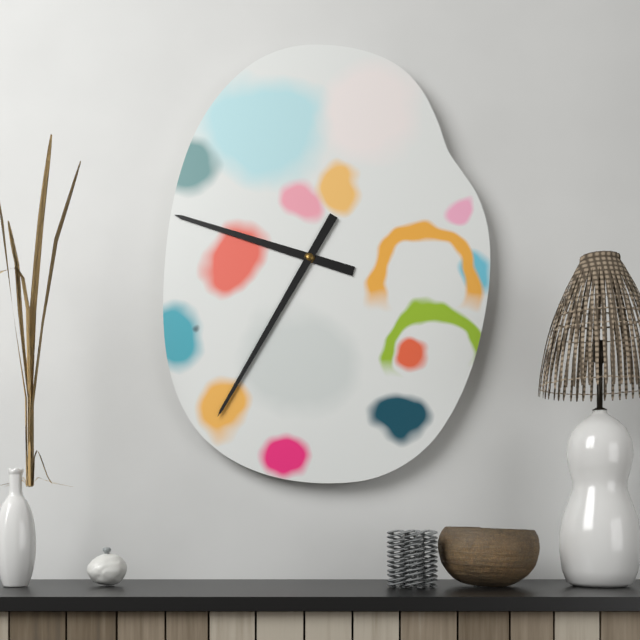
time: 9:35
